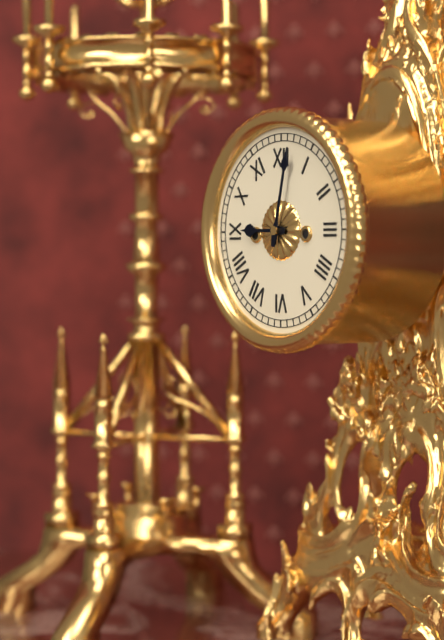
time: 9:02
